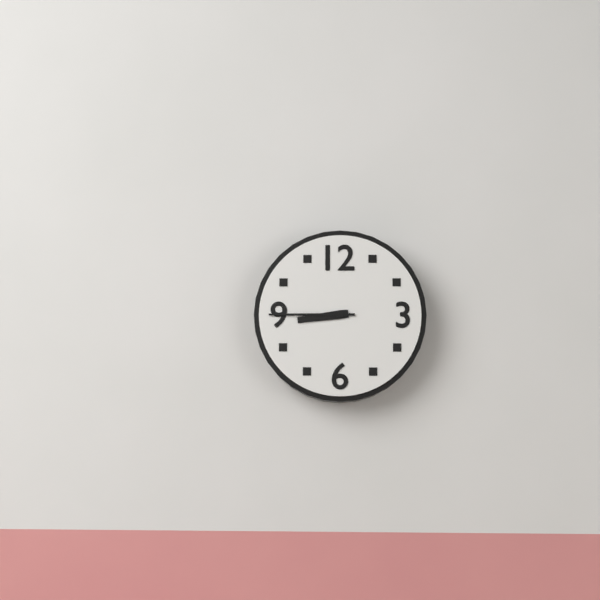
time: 8:45
